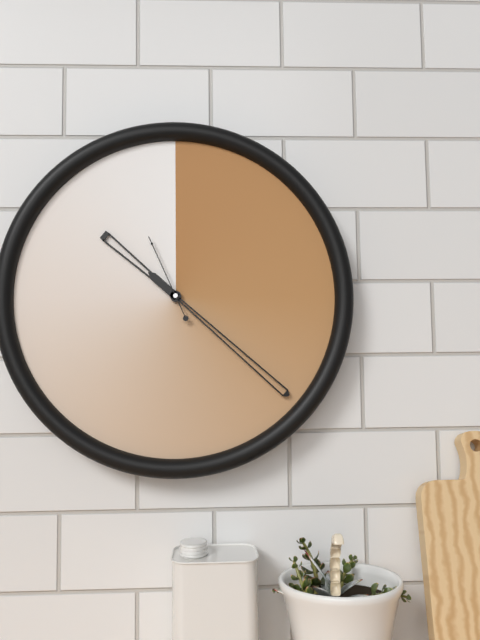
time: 10:22:56
